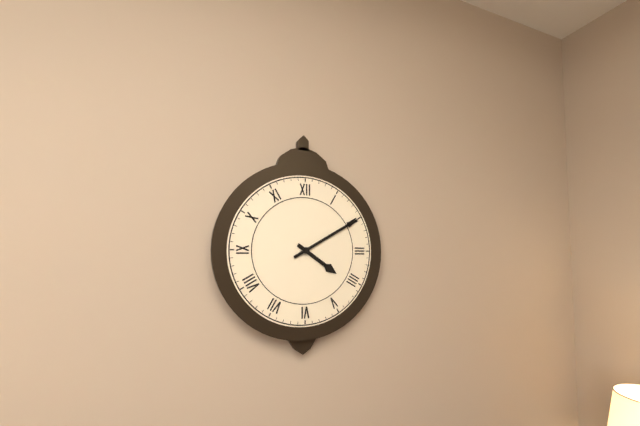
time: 4:10
